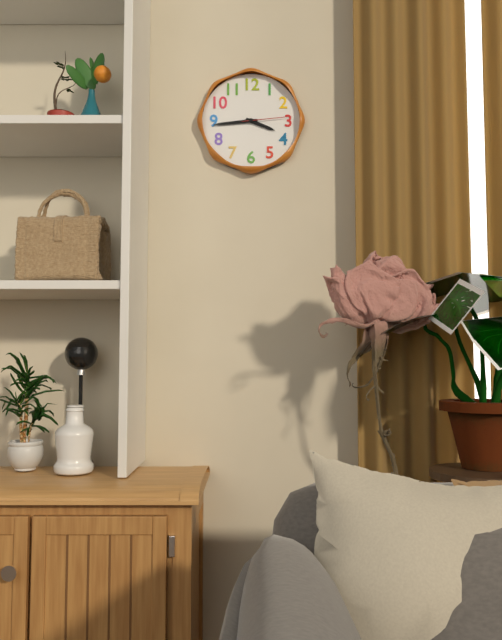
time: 3:44:14
